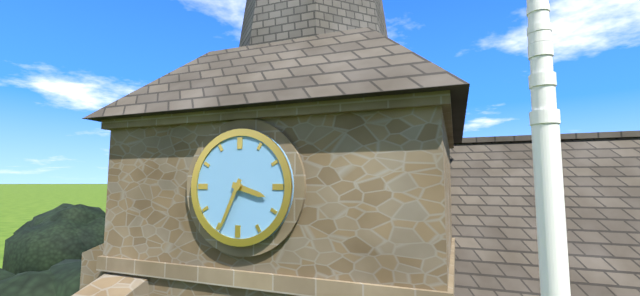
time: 3:34
